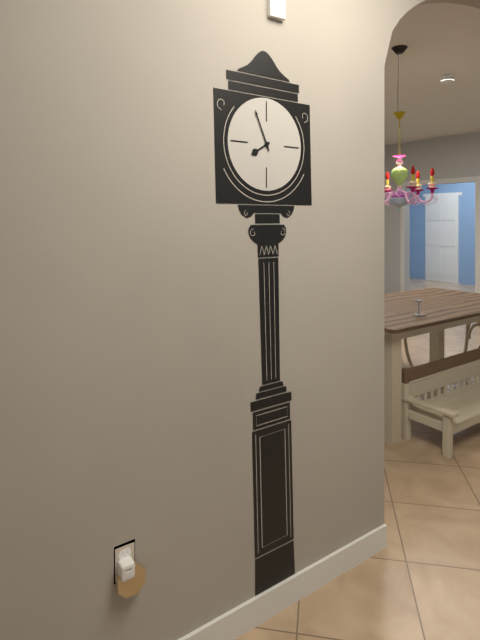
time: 7:56
